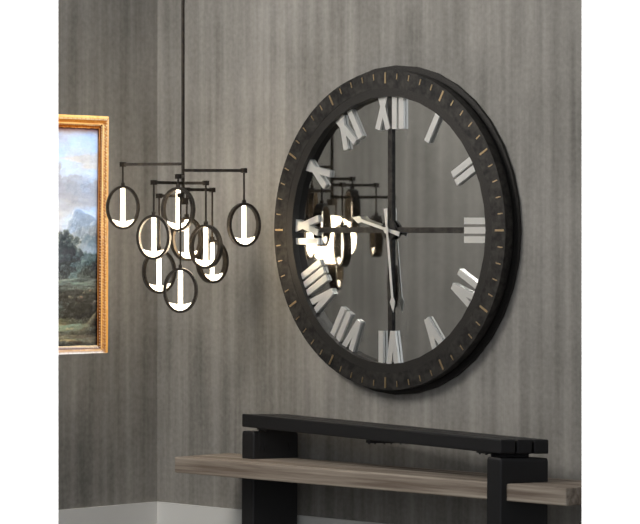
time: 9:29
